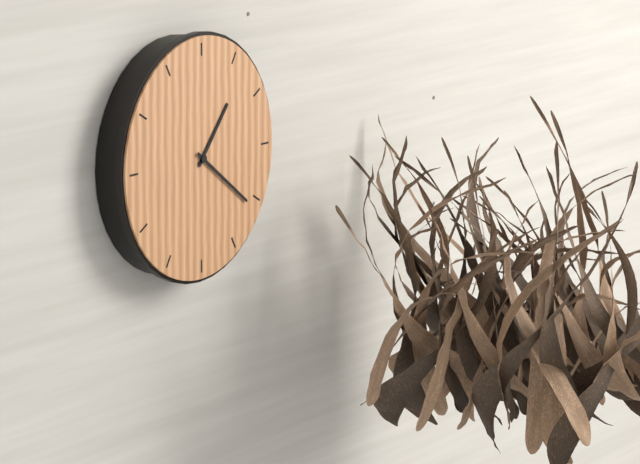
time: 1:21
